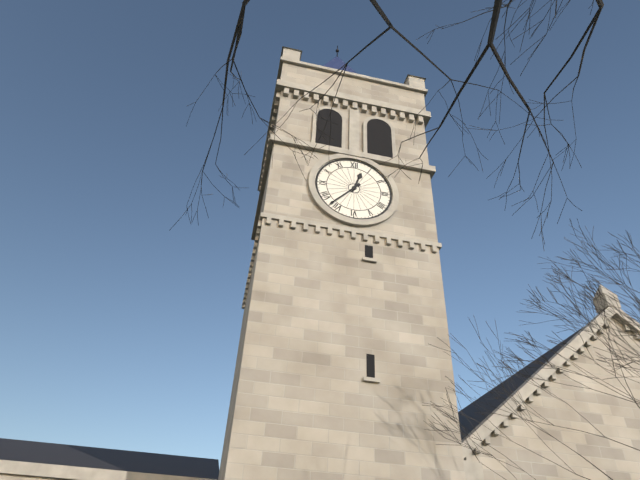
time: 12:37
